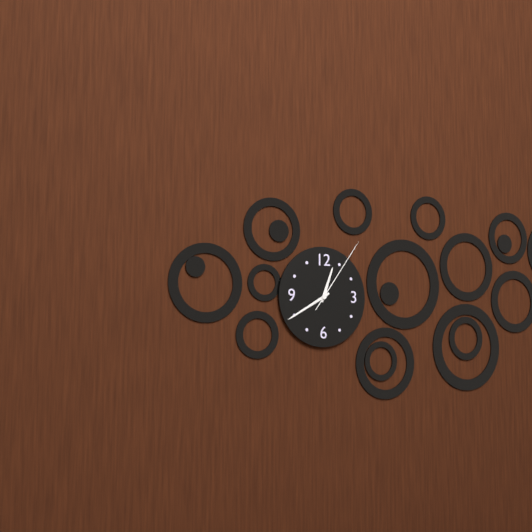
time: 12:40:06
